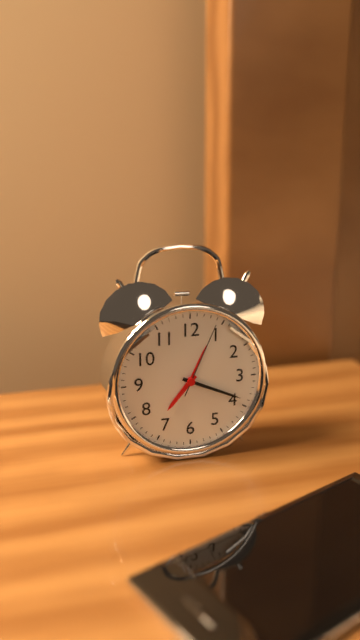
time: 7:19:04
